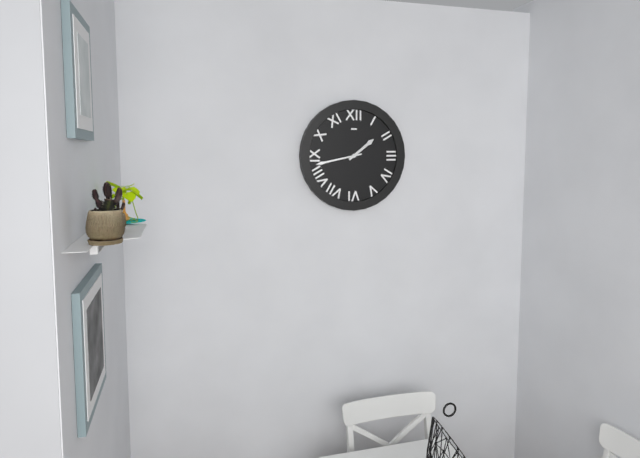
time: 1:43
